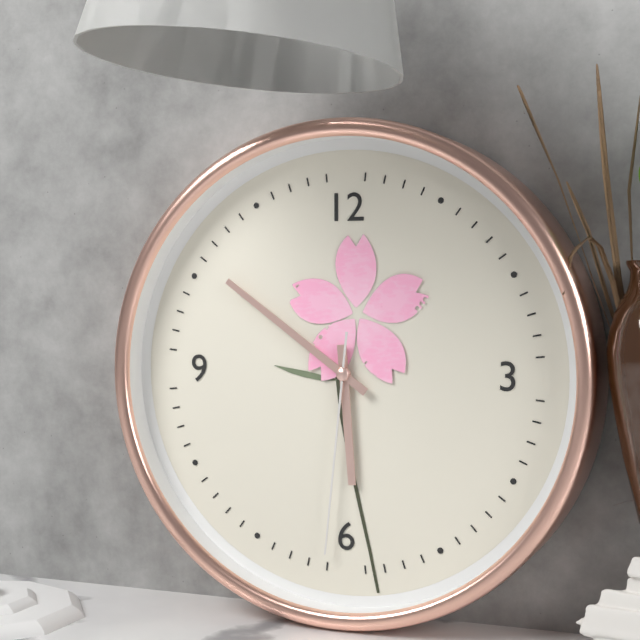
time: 5:51:31
